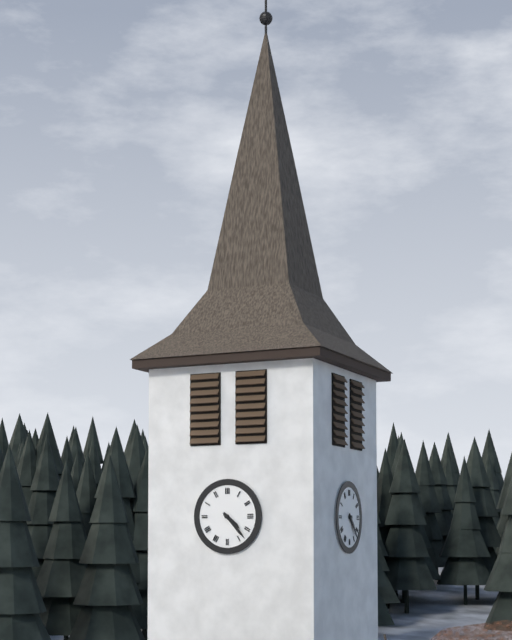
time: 4:23
